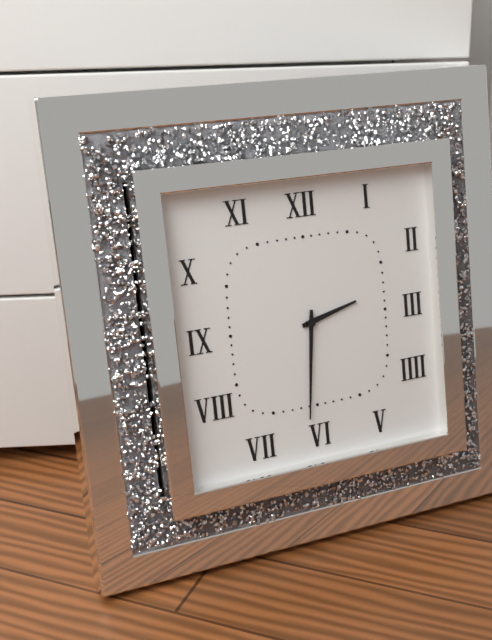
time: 2:31
